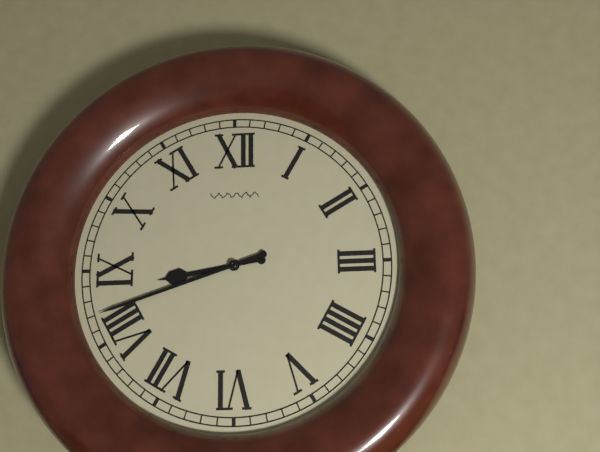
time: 8:42
